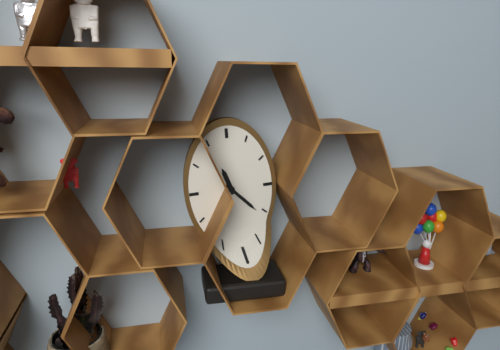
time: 11:23
